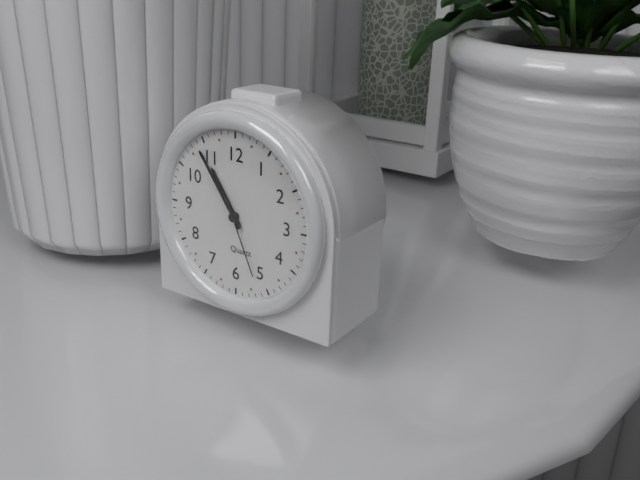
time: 10:54:26
